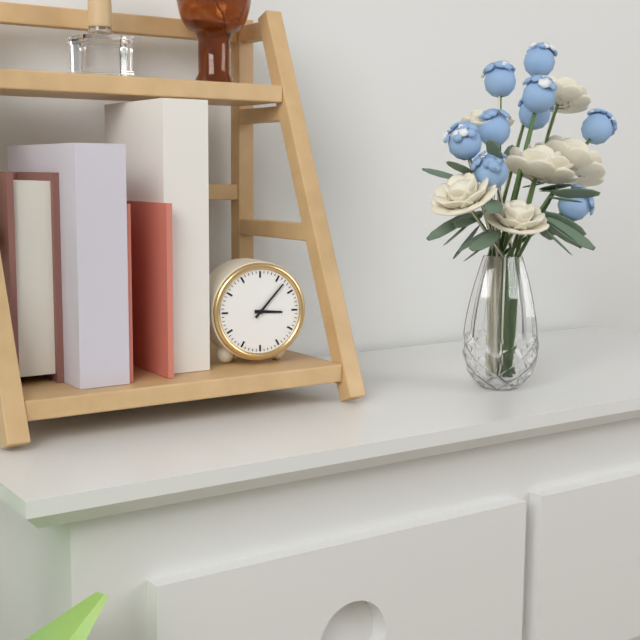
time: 3:07
